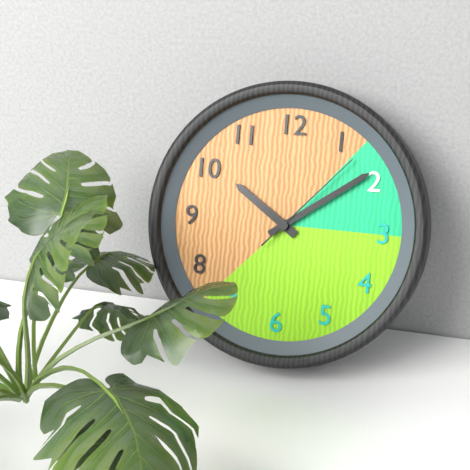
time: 10:09:07
